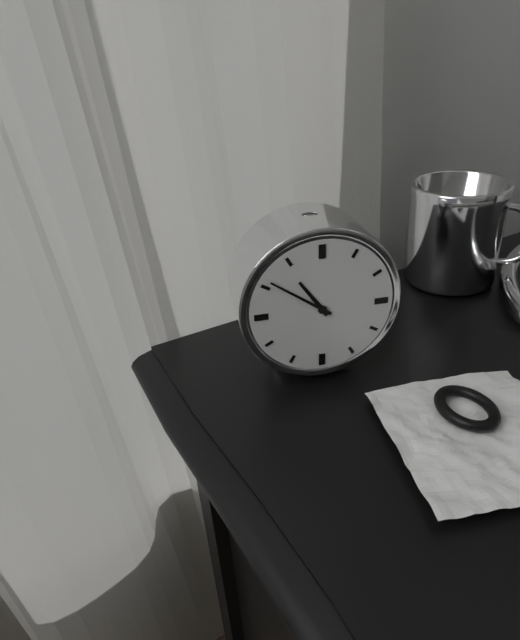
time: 10:51
